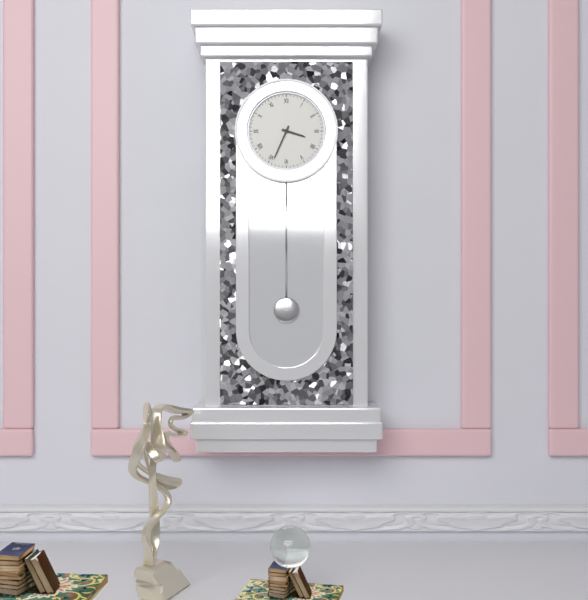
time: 3:34
